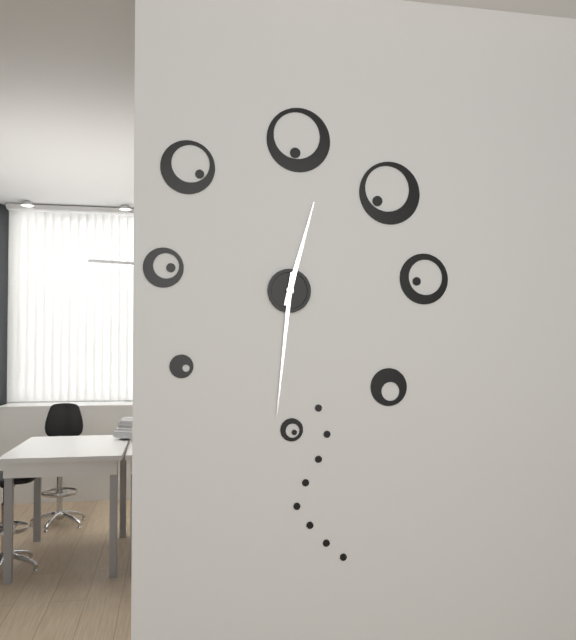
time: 12:31
